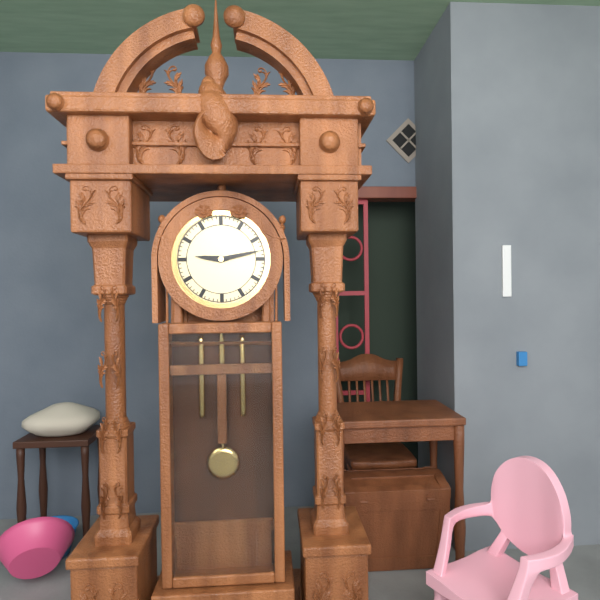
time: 9:13
